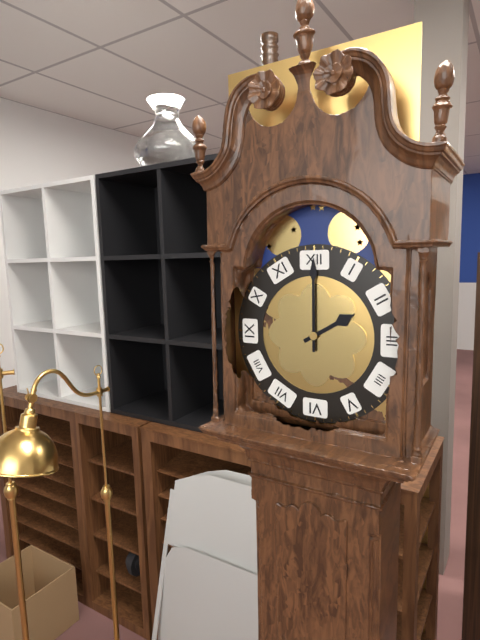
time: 2:00
